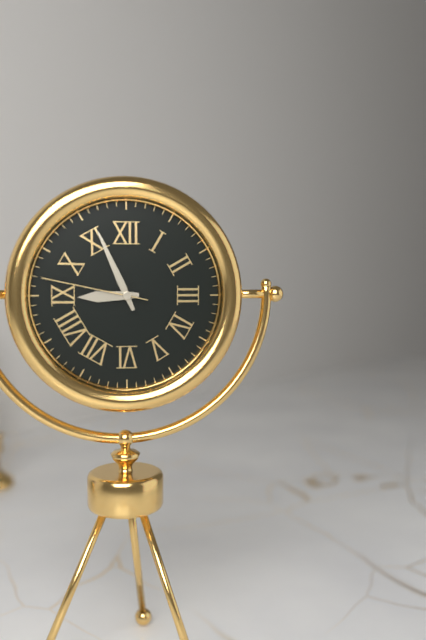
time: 8:56:47
